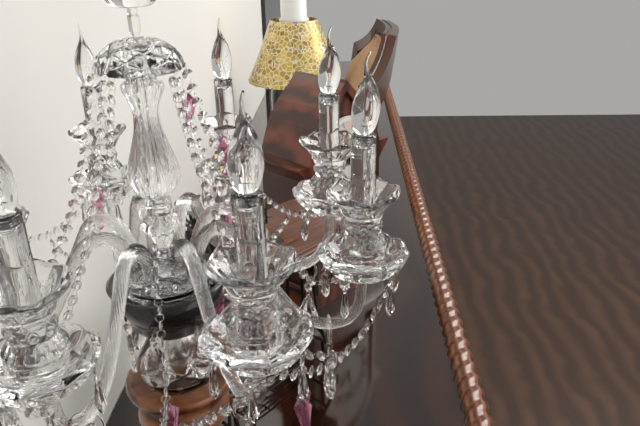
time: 10:02
